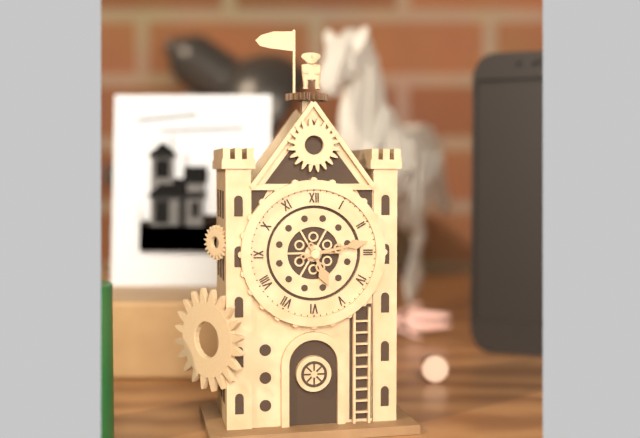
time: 5:13
